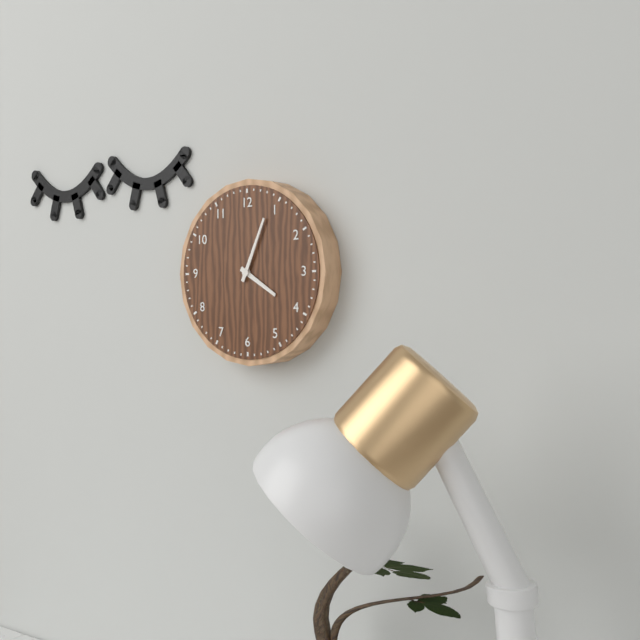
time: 4:04
